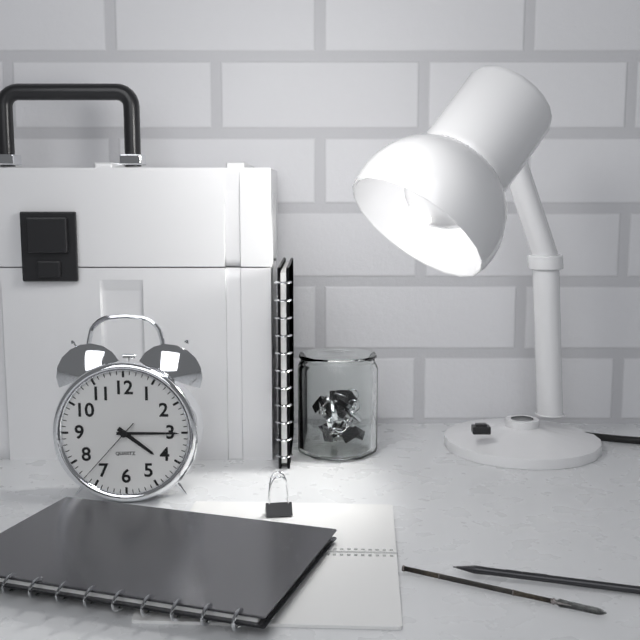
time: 4:15:37
